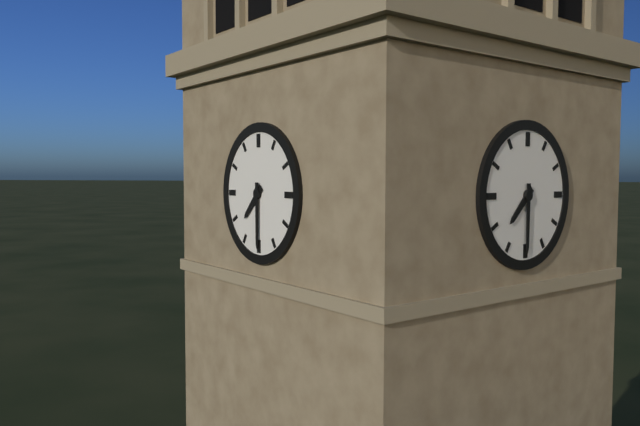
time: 7:30
